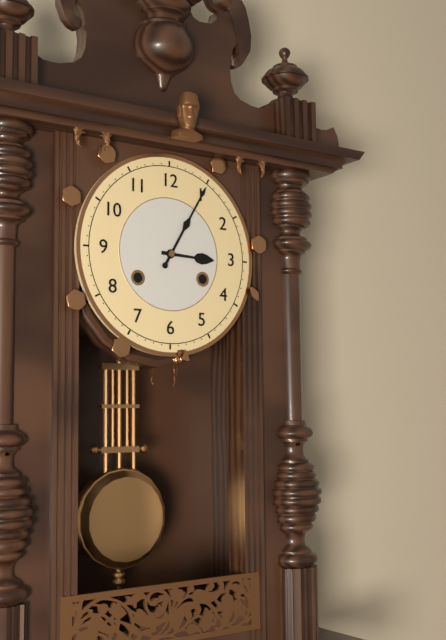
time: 3:05
